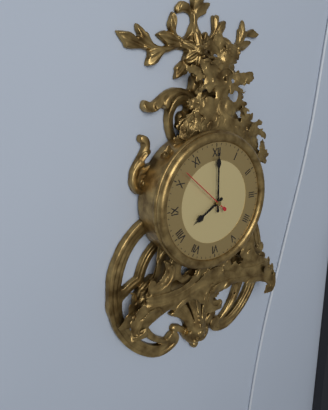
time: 8:00
